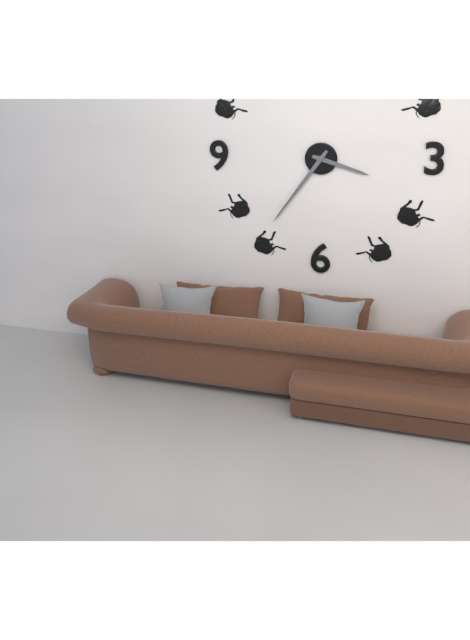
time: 3:36
